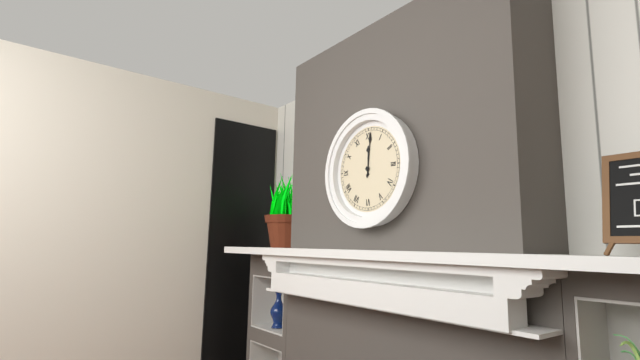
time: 12:01
